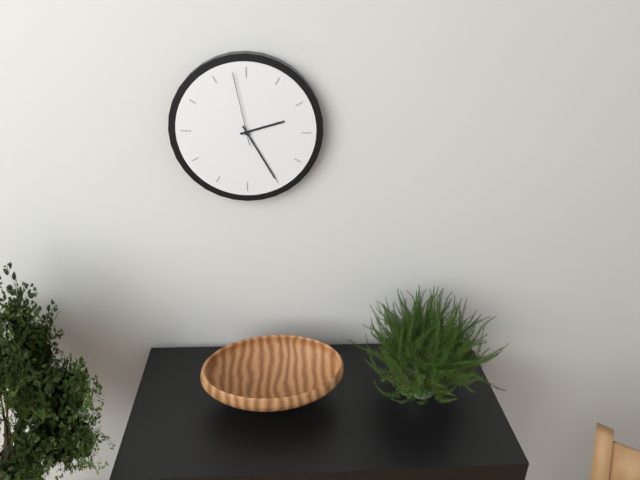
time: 2:25:58
